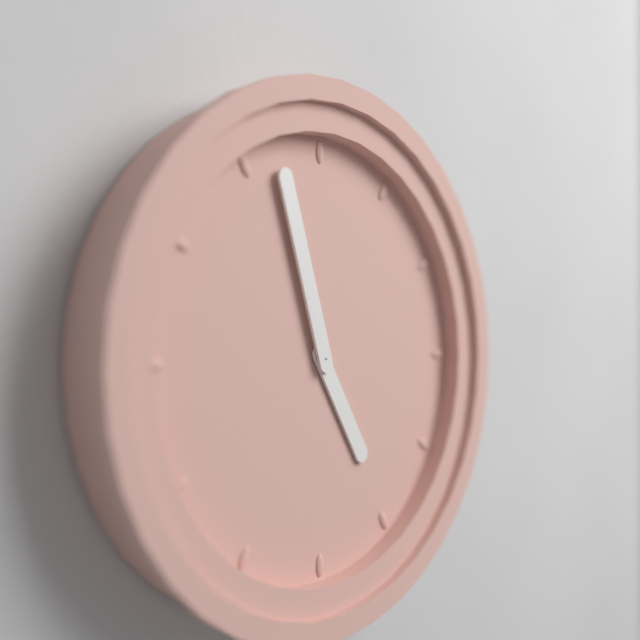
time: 4:57
